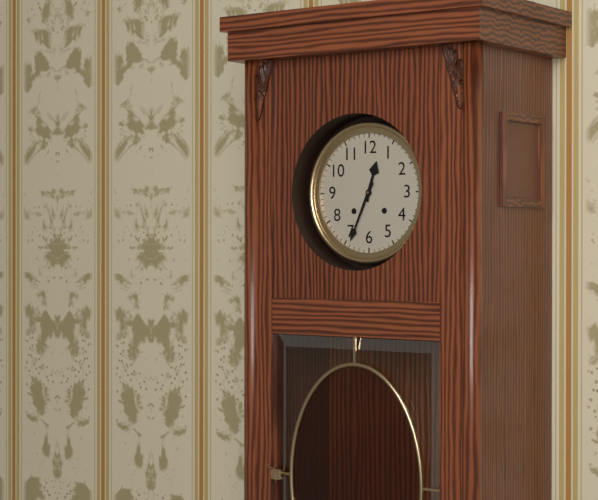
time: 12:34
